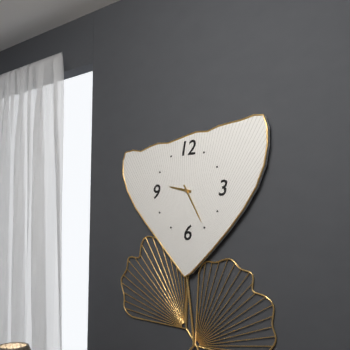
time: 9:25
